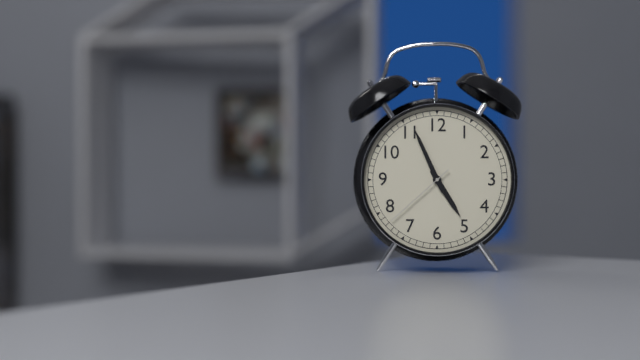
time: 4:56:38
